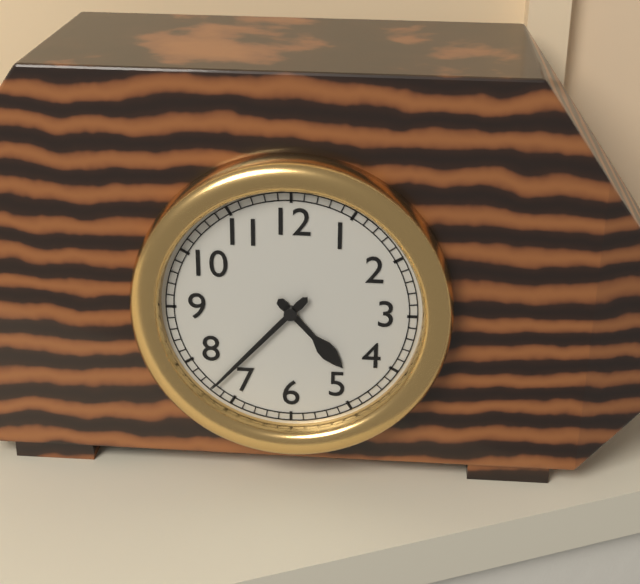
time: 4:37
